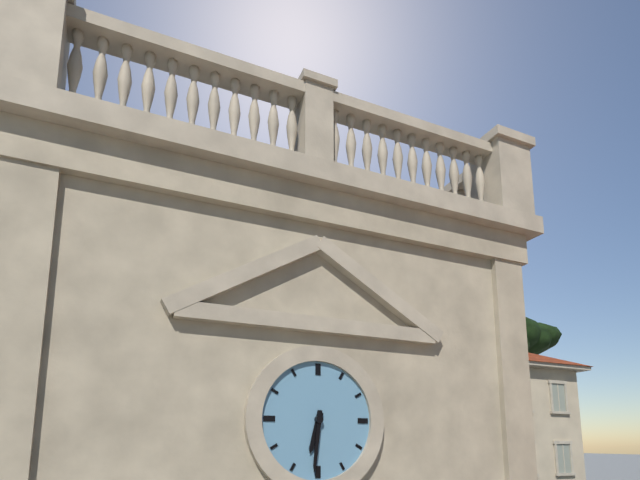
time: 6:31
